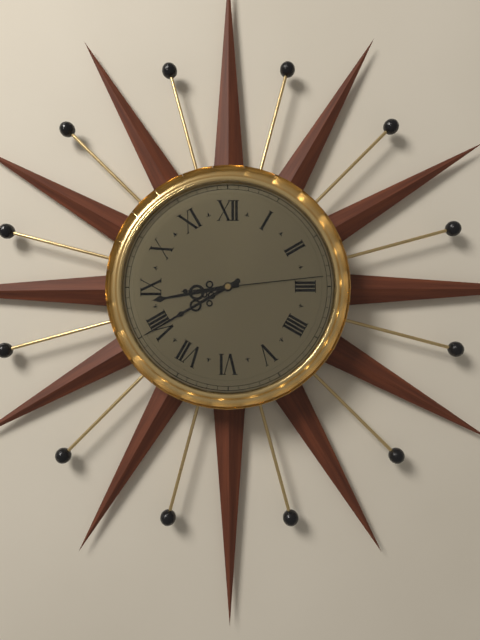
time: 8:40:14
